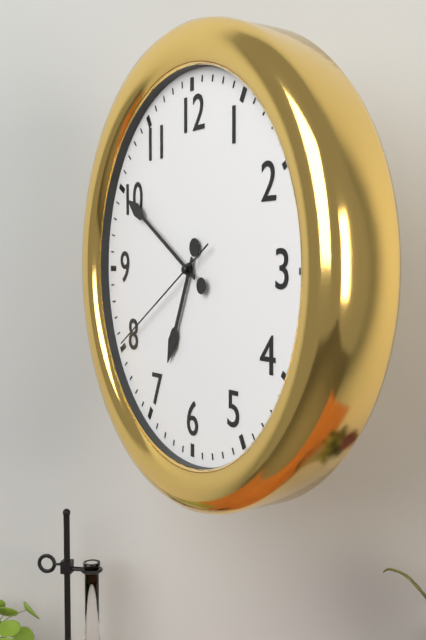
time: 6:50:40
